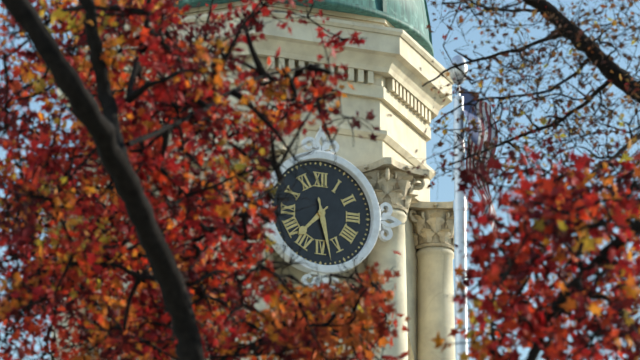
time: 7:28
